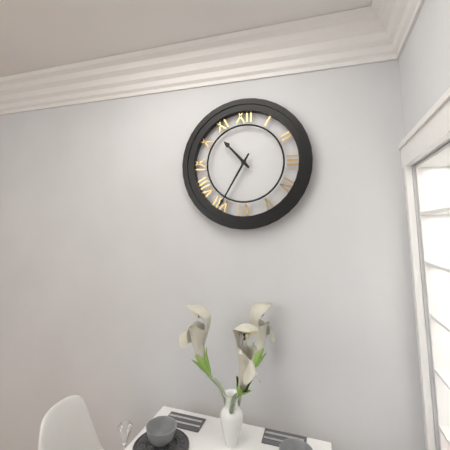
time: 10:35
